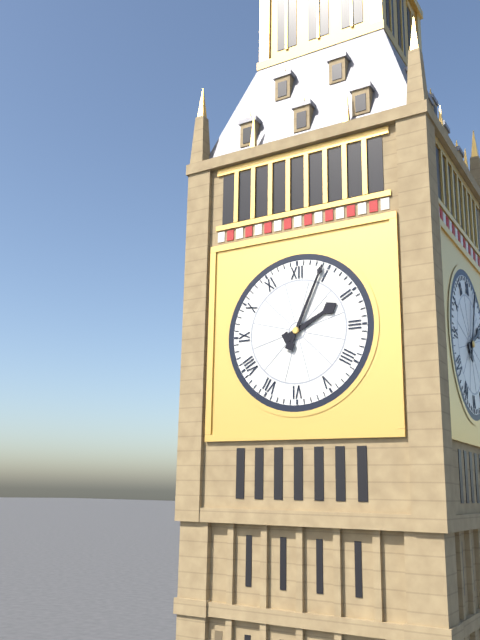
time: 2:04
